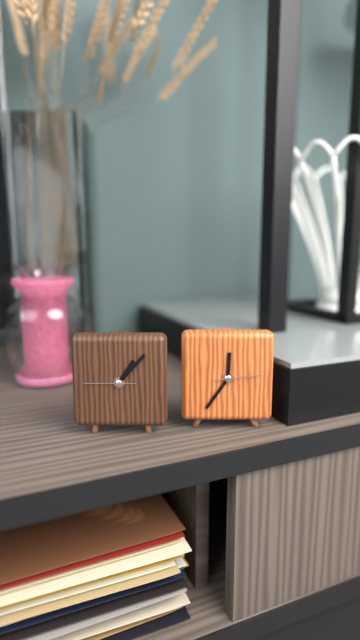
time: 1:07
